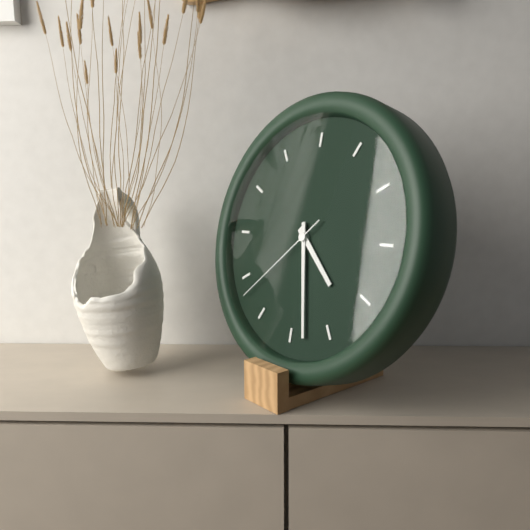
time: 4:28:38
